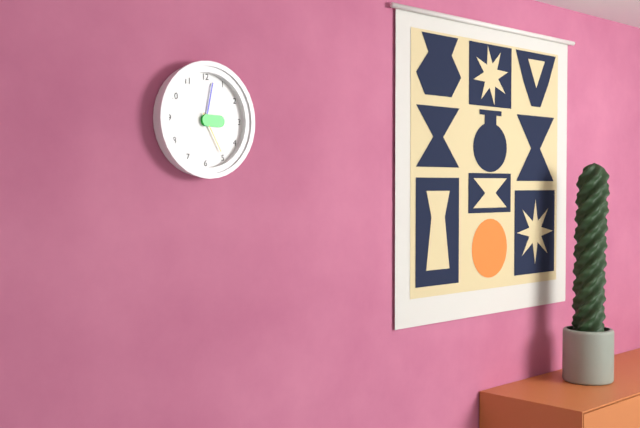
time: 3:02
